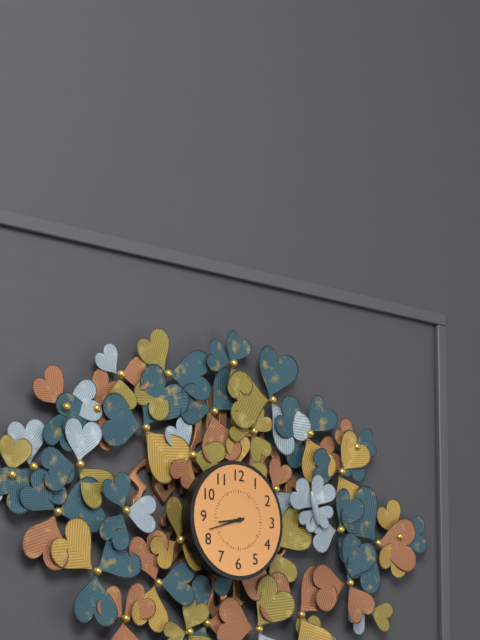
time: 8:42
